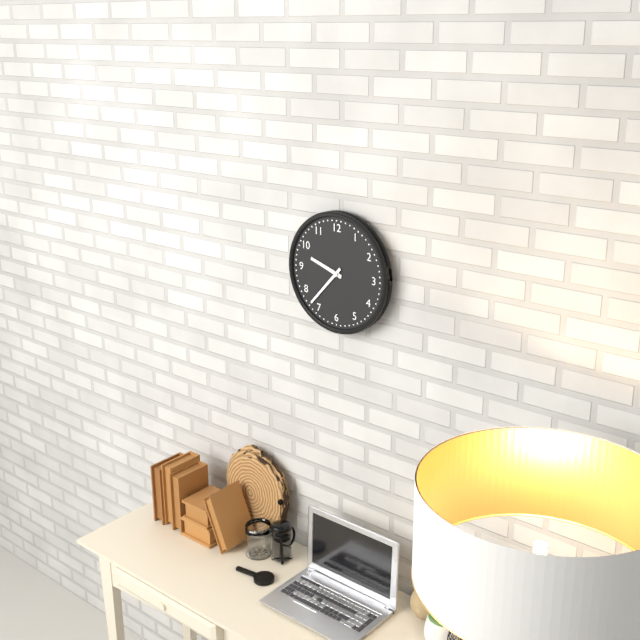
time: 9:37
